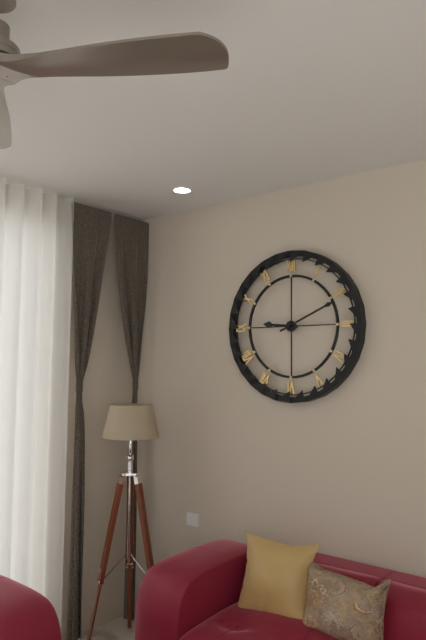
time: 9:11
